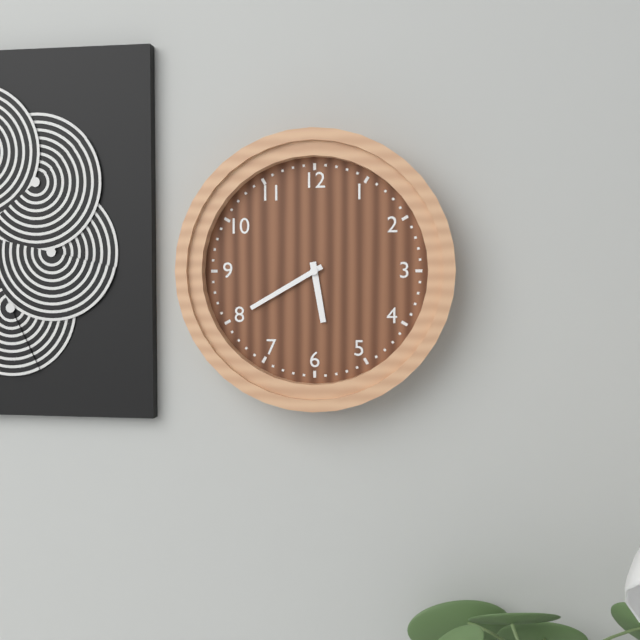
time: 5:40
